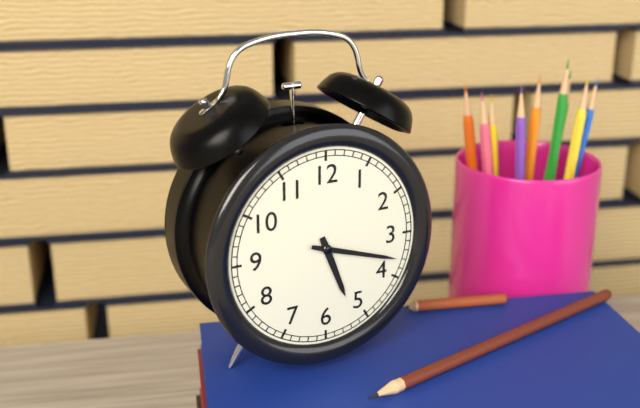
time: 5:18
